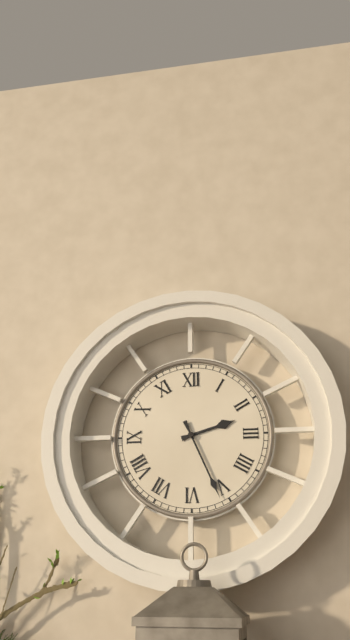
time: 2:26
